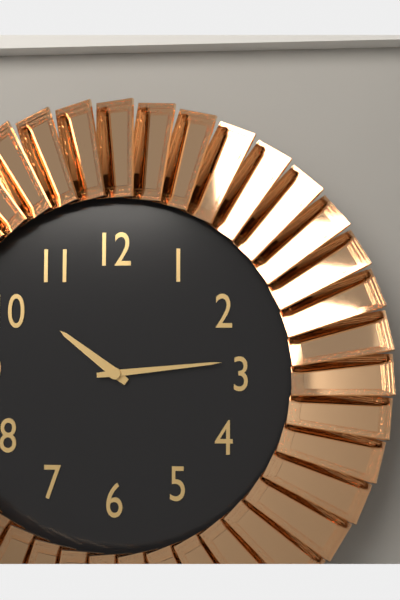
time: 10:14
